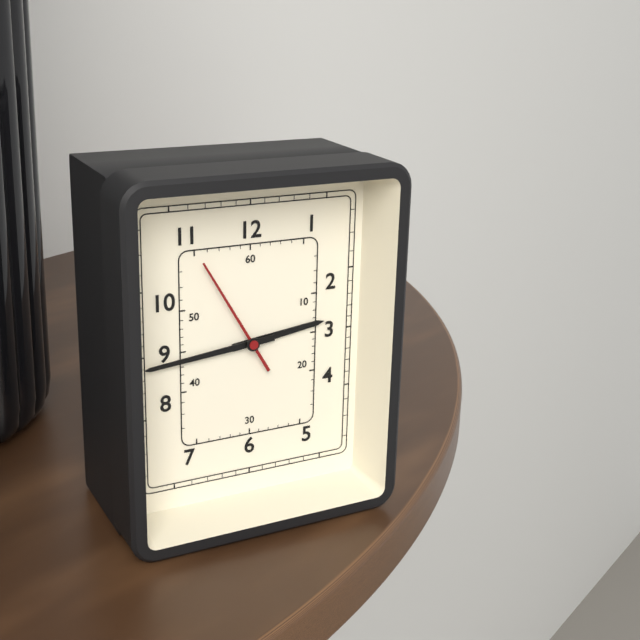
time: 2:44:55
